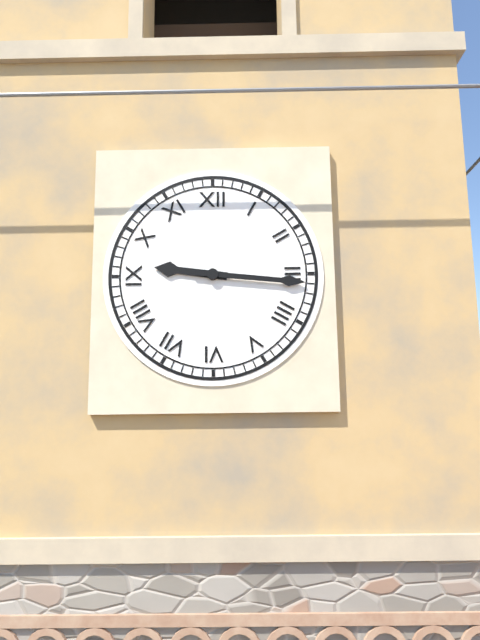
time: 9:16
